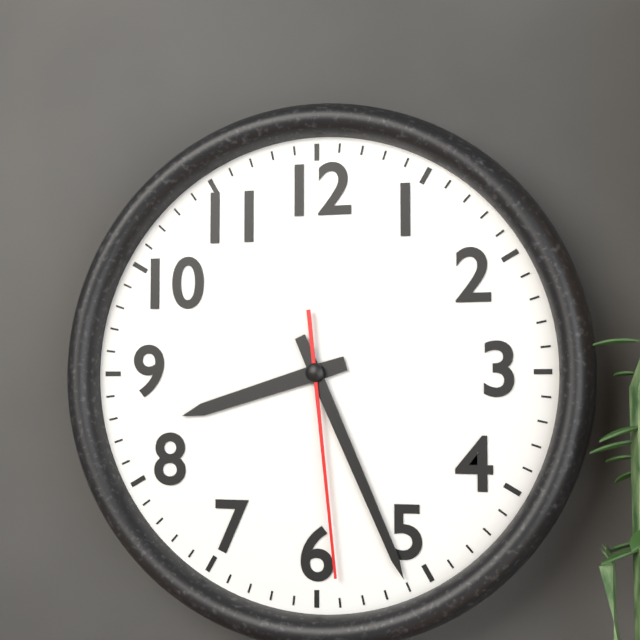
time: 8:26:29
